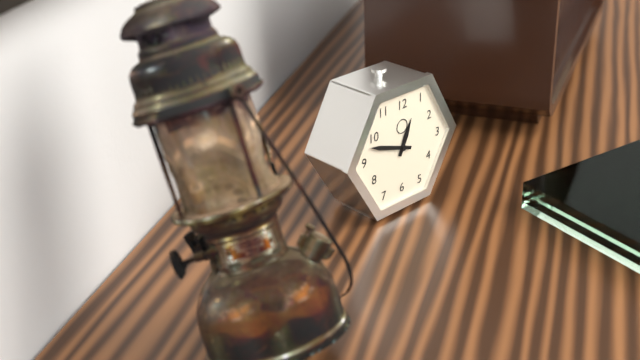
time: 12:48
